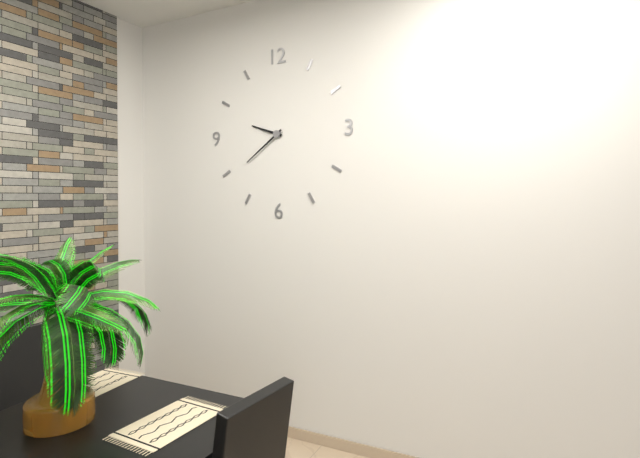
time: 9:39
